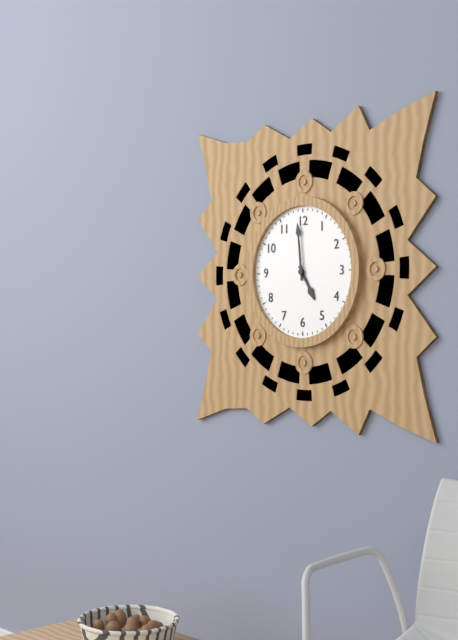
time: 4:59
